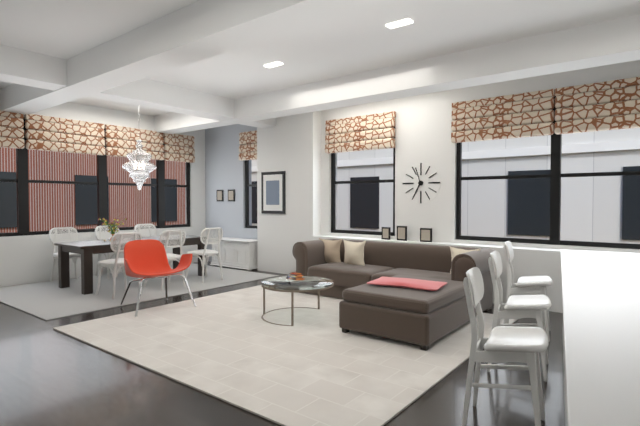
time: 6:57
